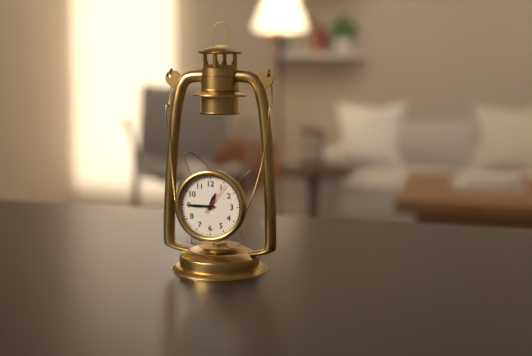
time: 12:45
